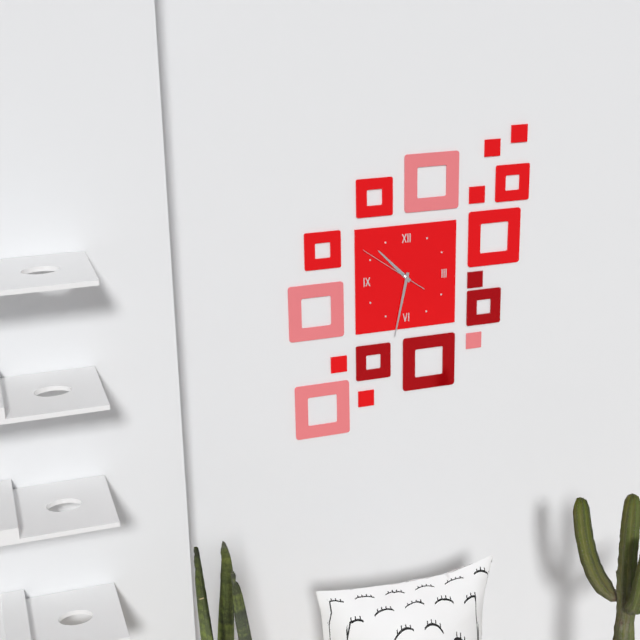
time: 10:32:51
